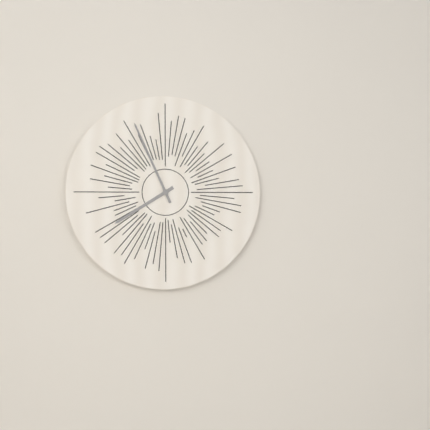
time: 7:56
